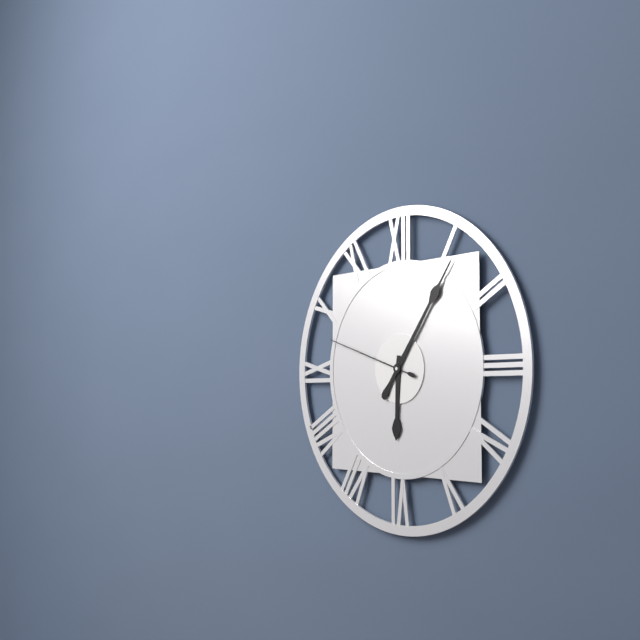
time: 6:06:48
